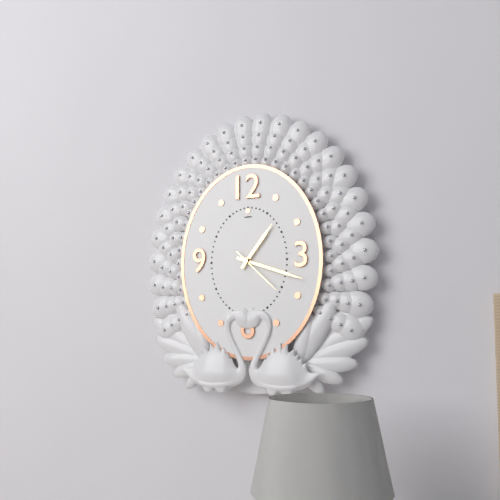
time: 1:18:22
